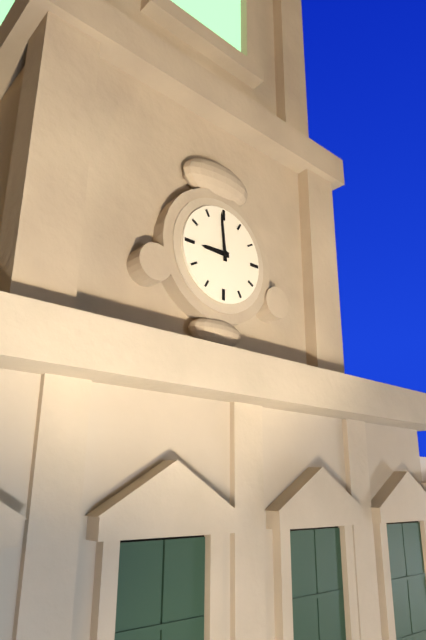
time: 8:59
